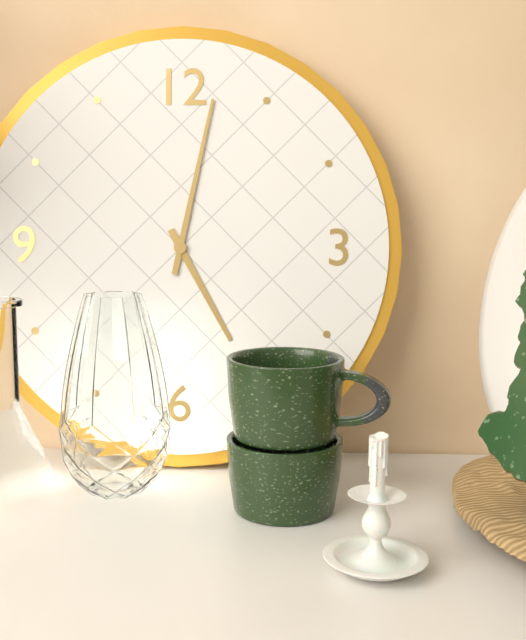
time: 5:02
